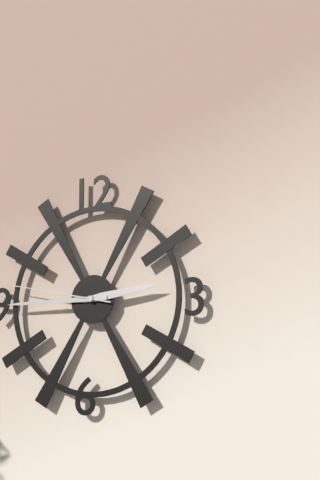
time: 2:45:47
